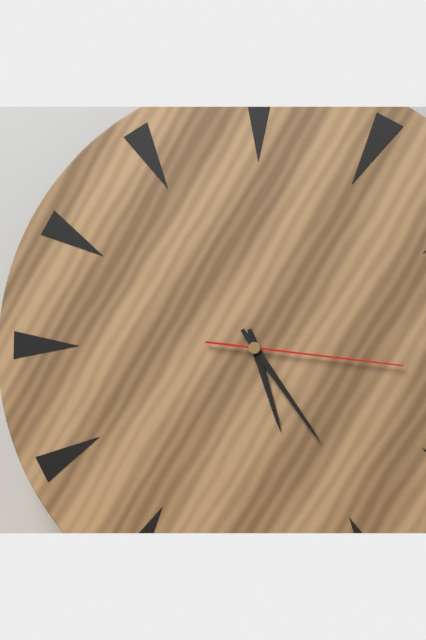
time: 5:24:16
